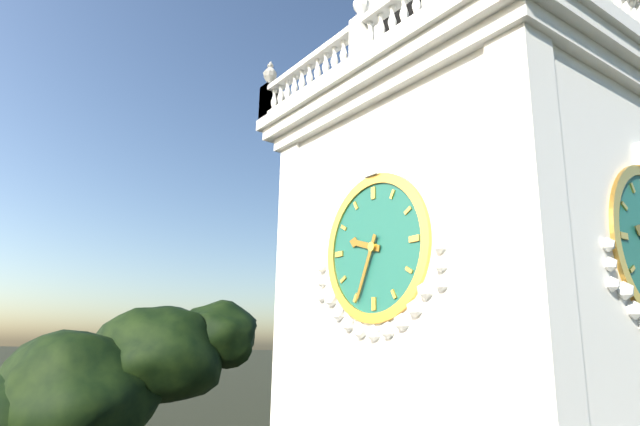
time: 9:34
